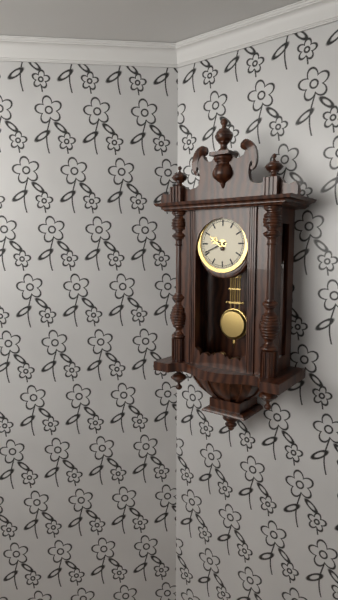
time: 9:41
